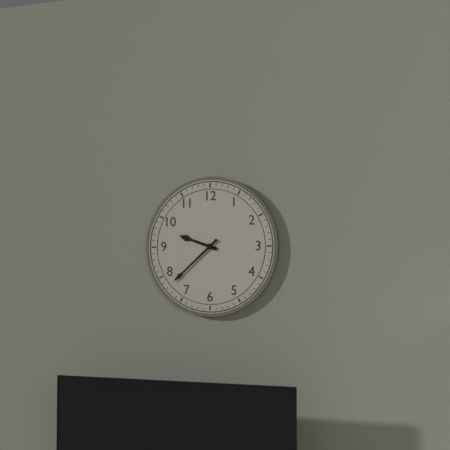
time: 9:38
